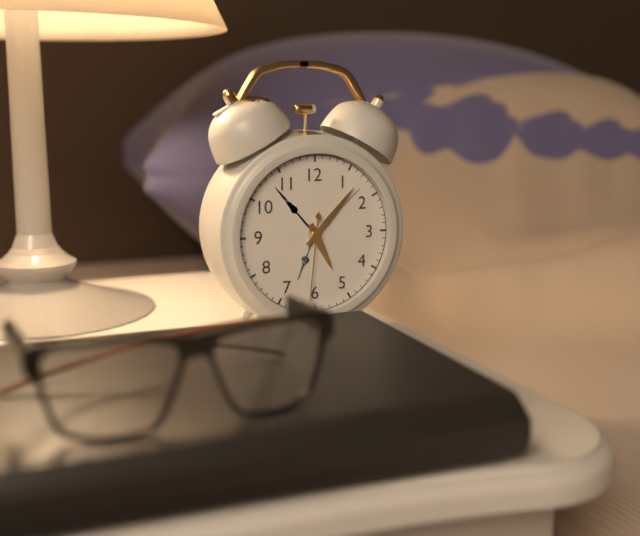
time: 5:07:31
